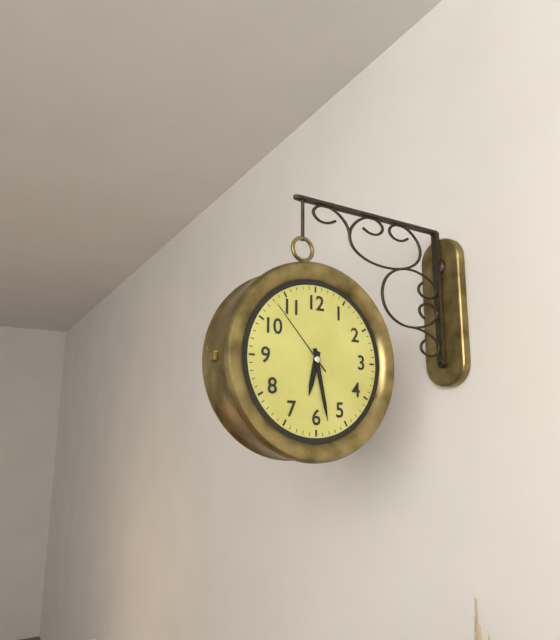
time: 6:28:53
